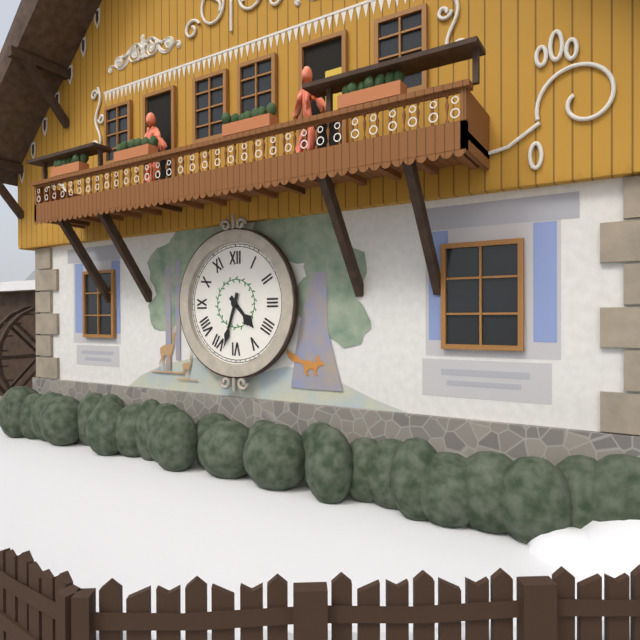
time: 4:33
